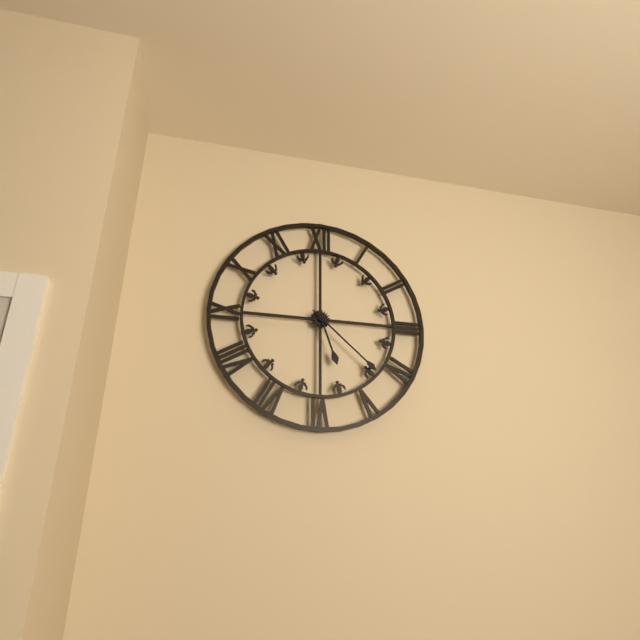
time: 5:22
